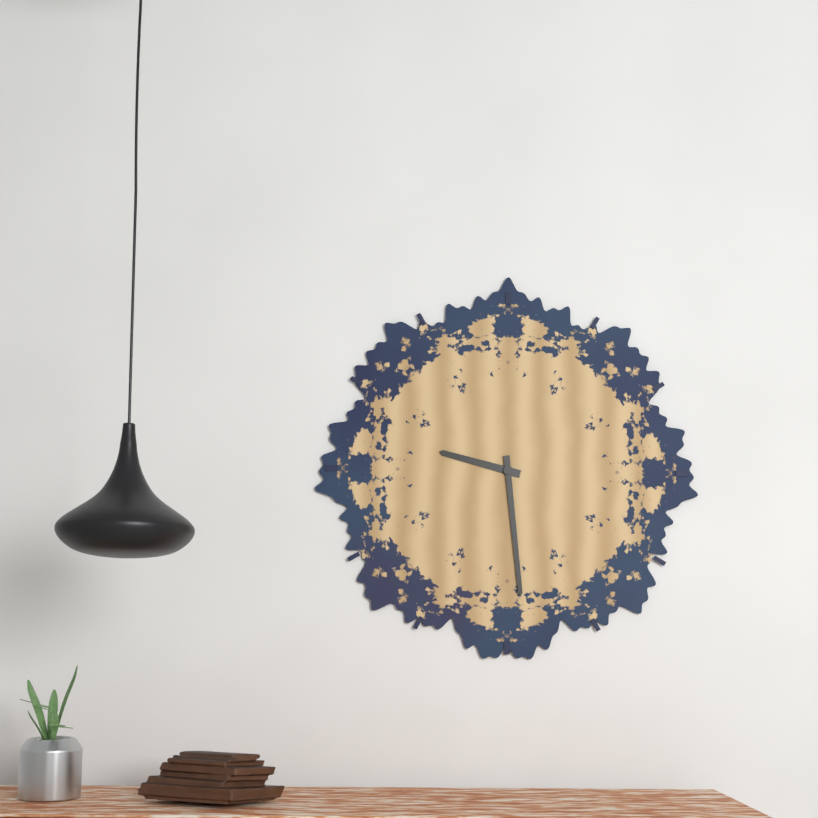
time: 9:29
